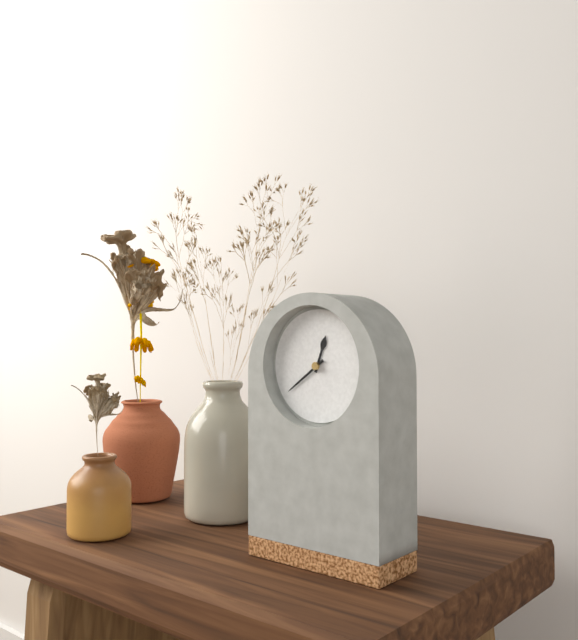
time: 12:39
